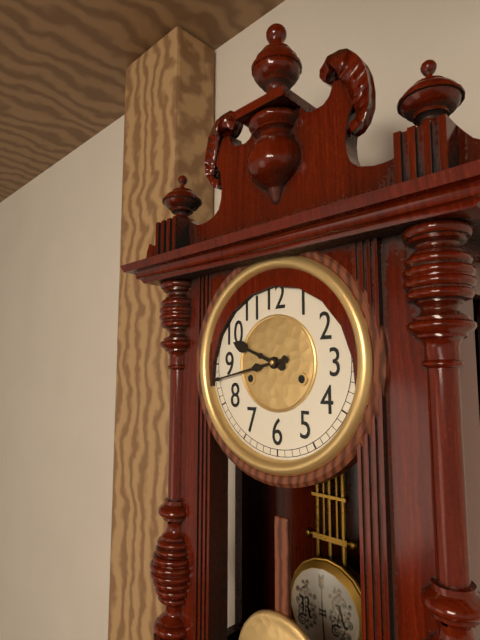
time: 9:43
